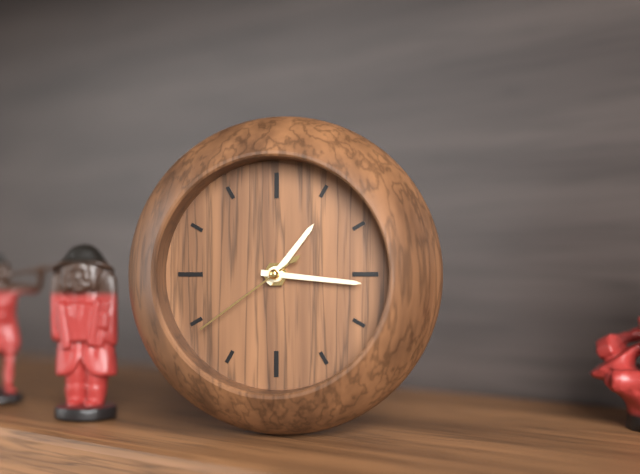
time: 1:16:39
